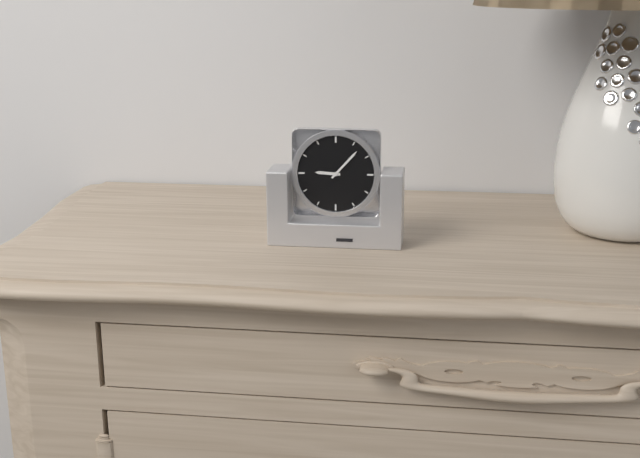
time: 9:07
